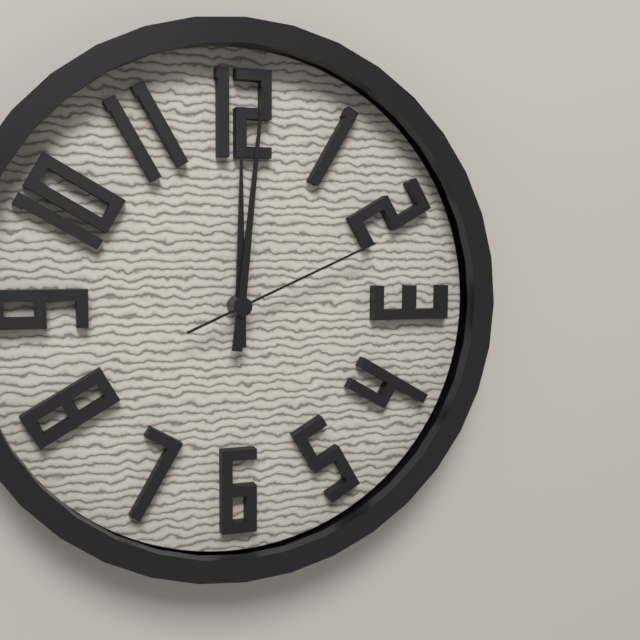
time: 12:01:11
